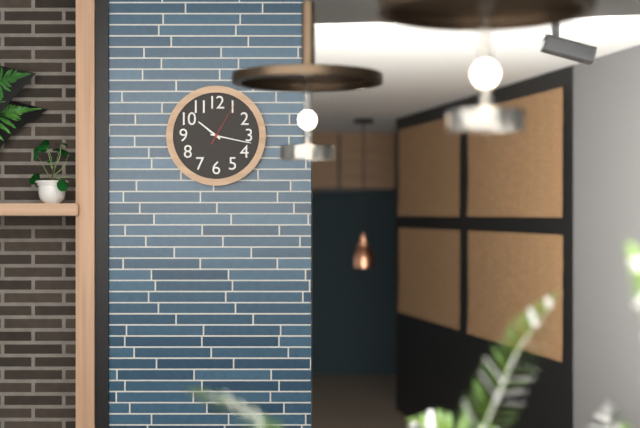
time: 10:17
